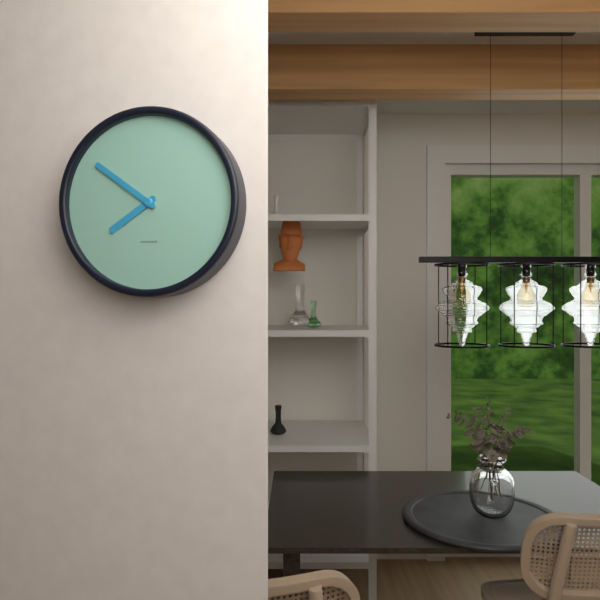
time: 7:51
